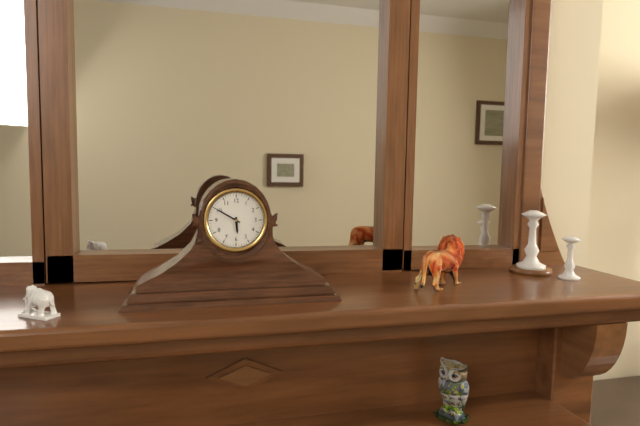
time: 5:50
